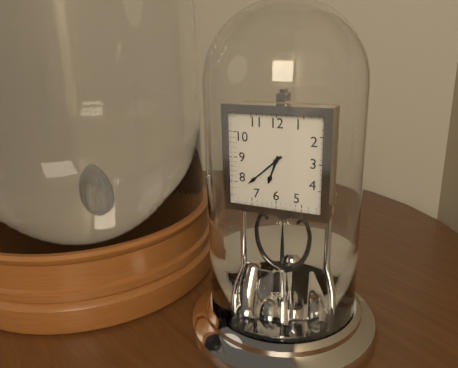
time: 6:38
